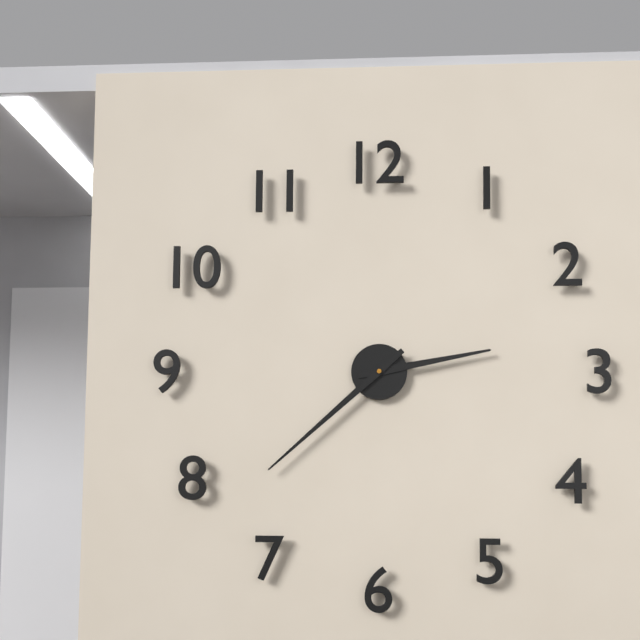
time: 2:38
